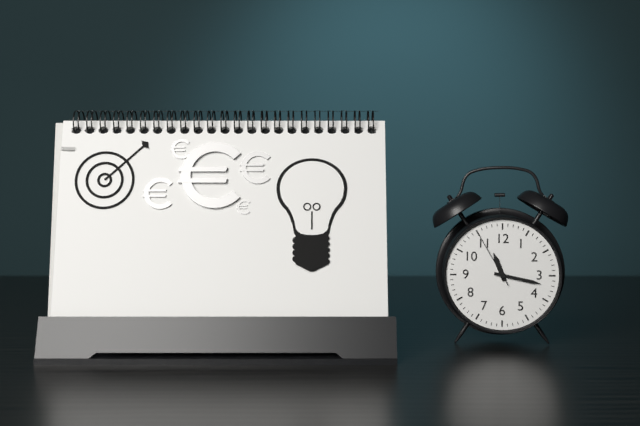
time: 11:17:55
